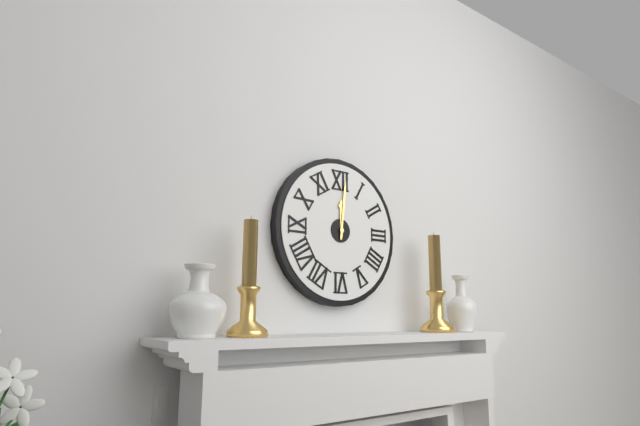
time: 12:01
